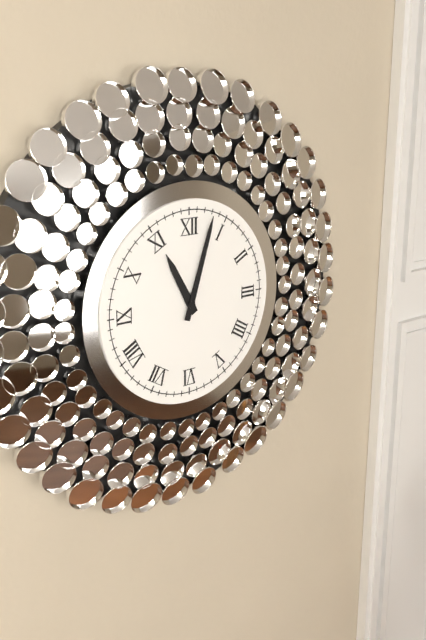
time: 11:03
